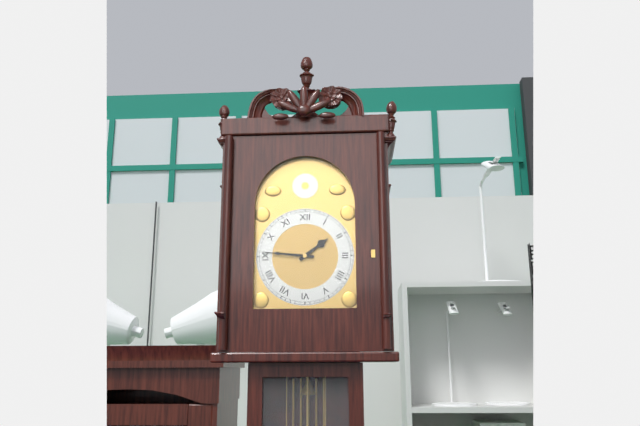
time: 1:46
